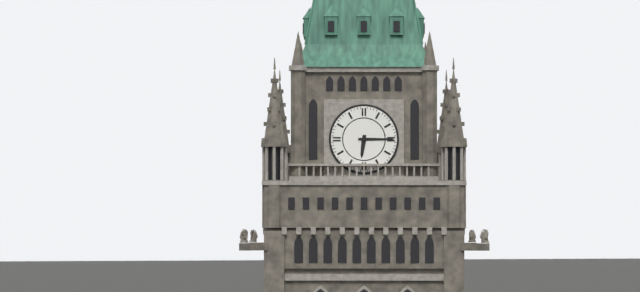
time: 6:15
